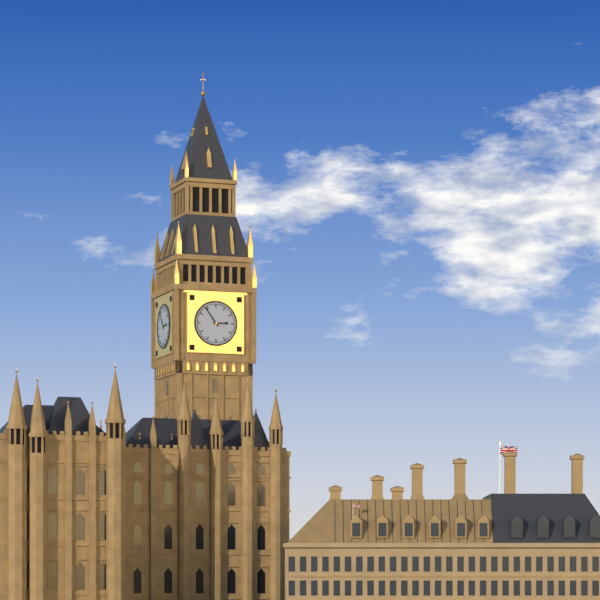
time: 2:54
